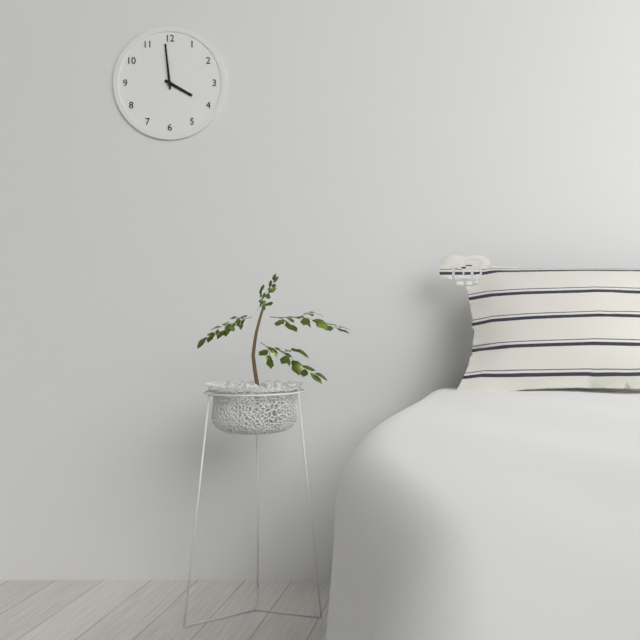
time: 3:59
